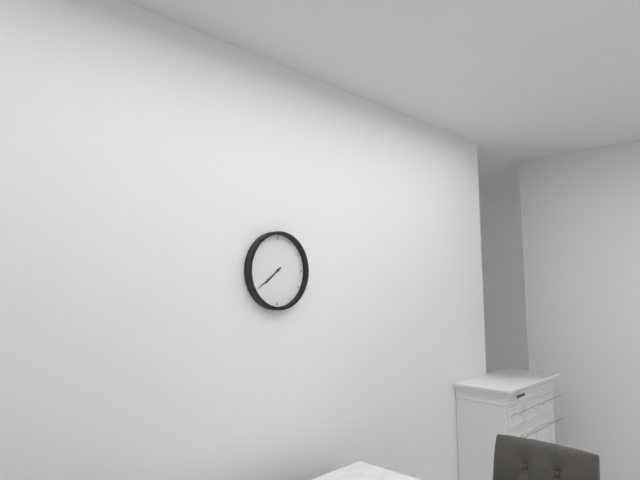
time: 7:39
